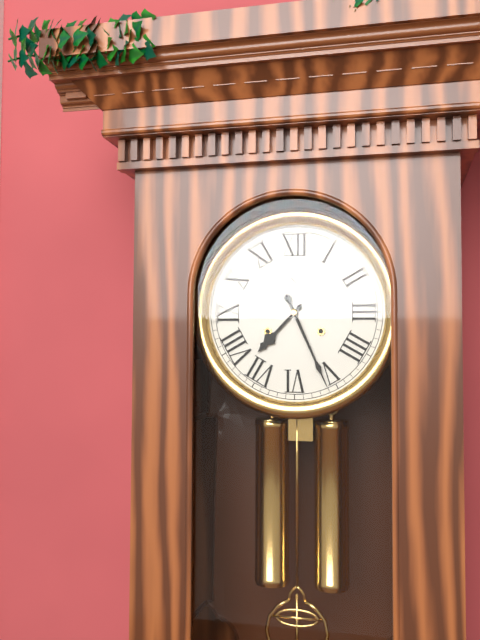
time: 7:26
